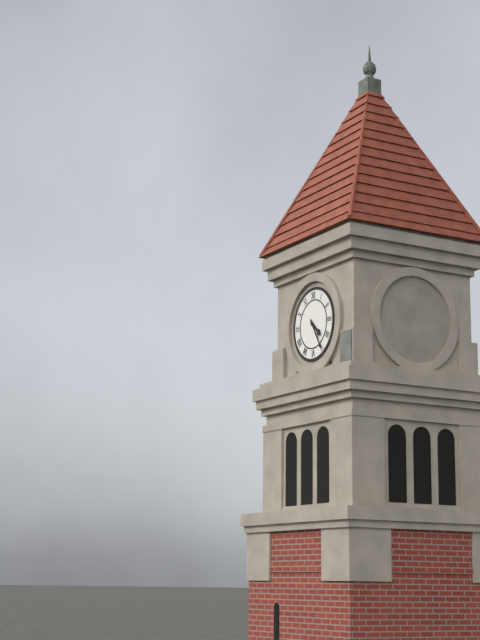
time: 4:25
